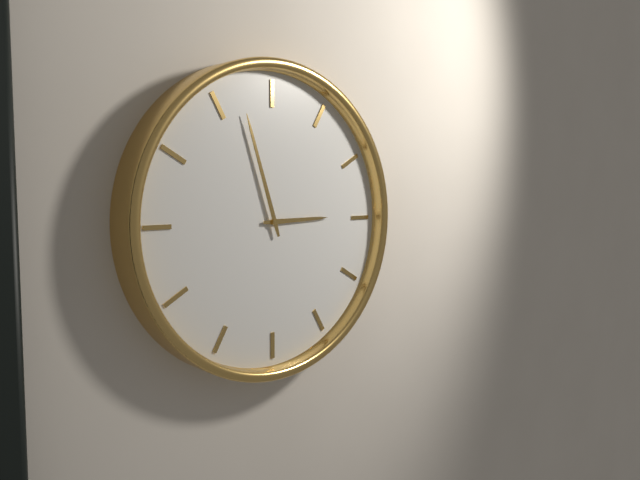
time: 2:57
